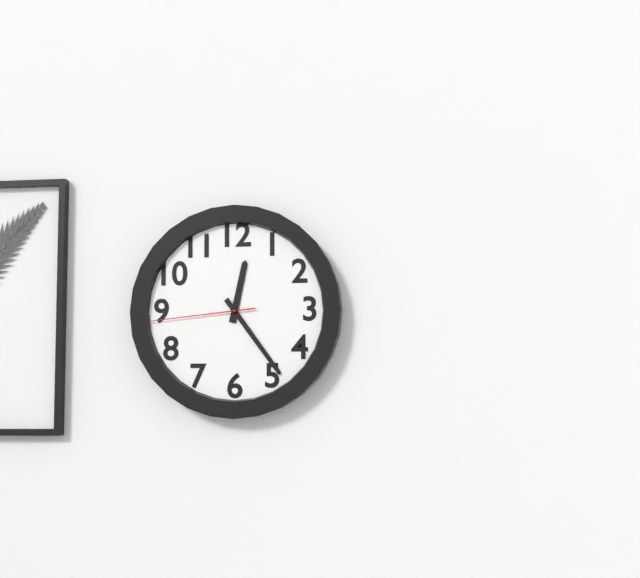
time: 12:24:44
